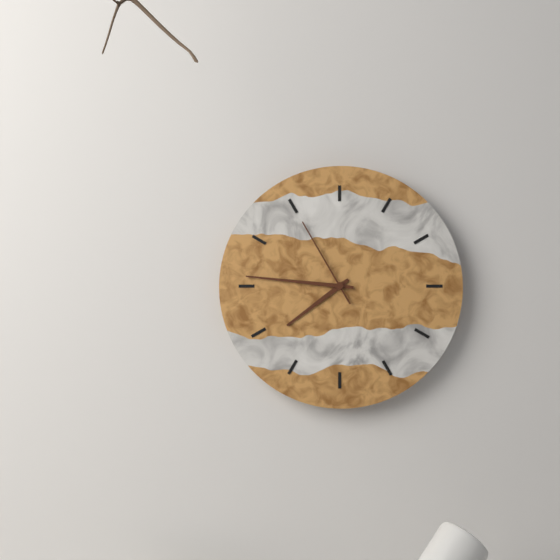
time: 7:46:55
